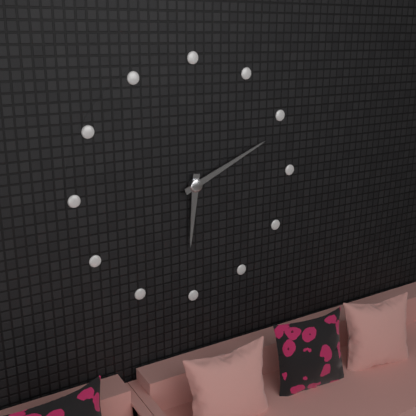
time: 6:11
